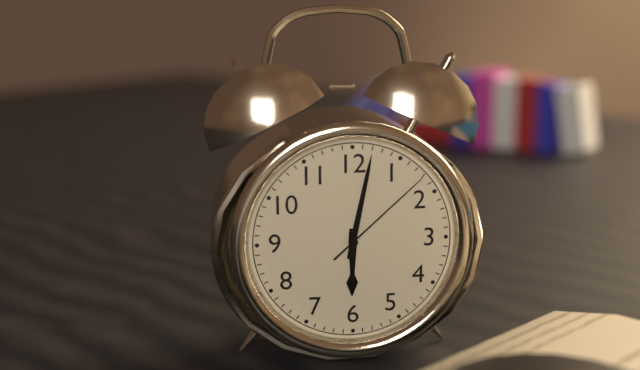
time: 6:02:08
